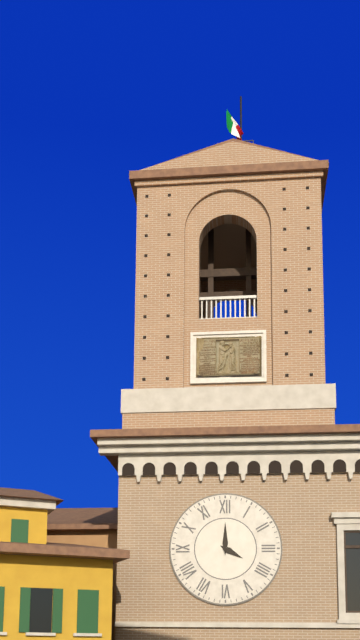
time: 4:00
